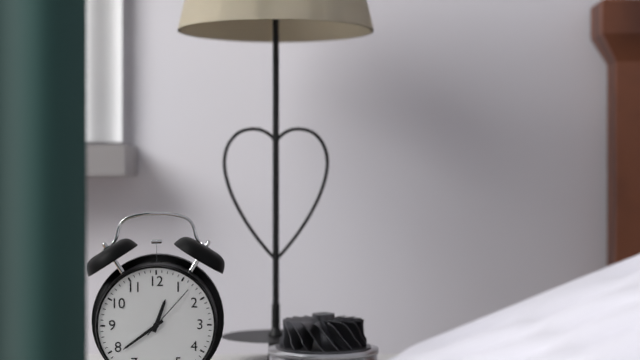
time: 12:39:07
